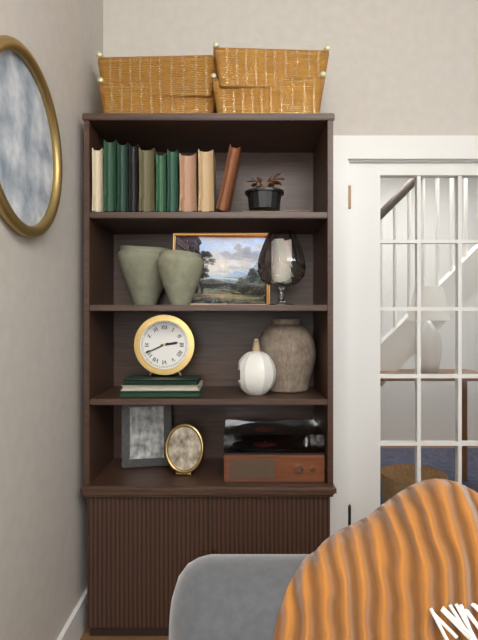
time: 2:41
